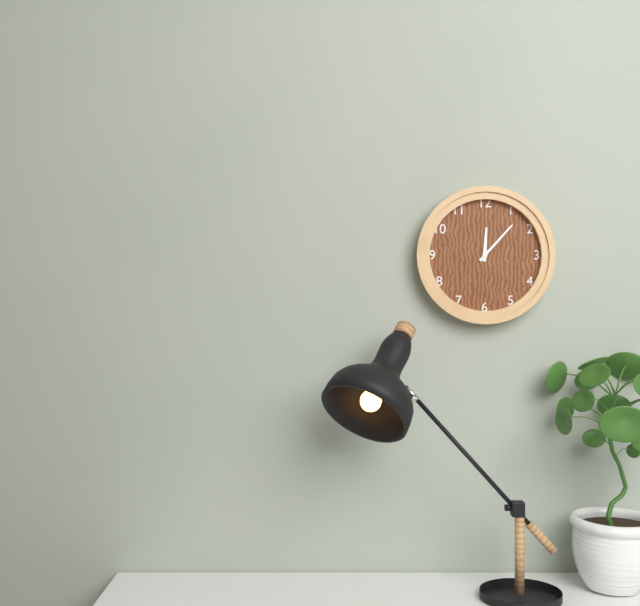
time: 12:07
